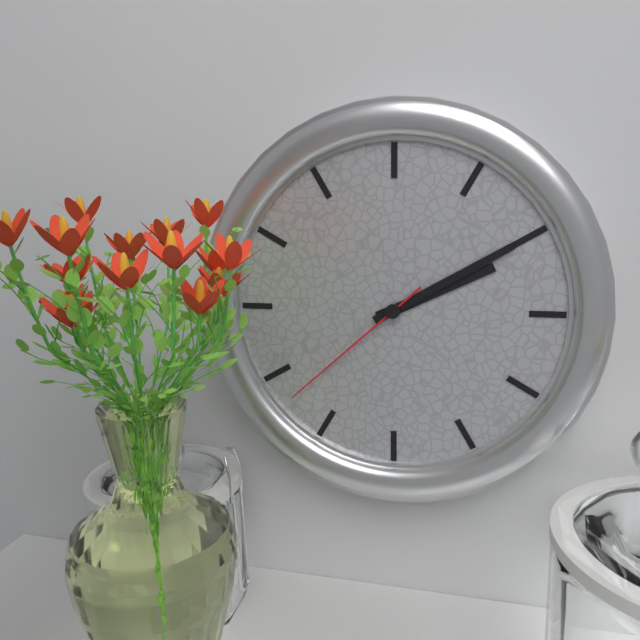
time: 2:10:38
